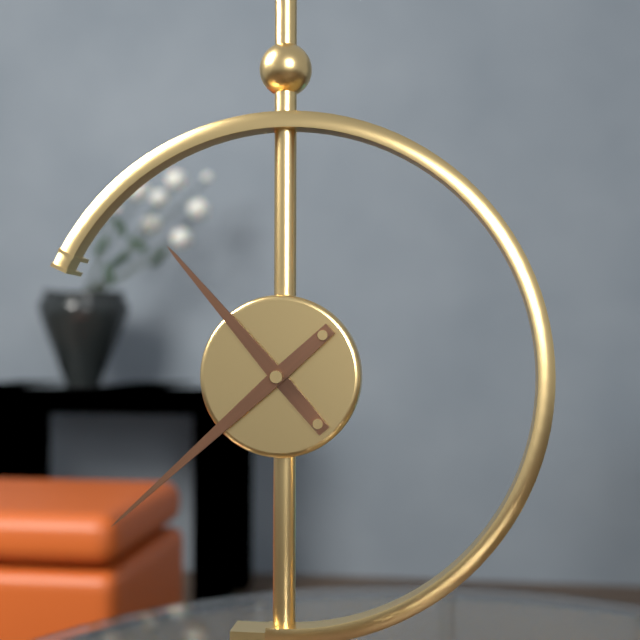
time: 10:38
